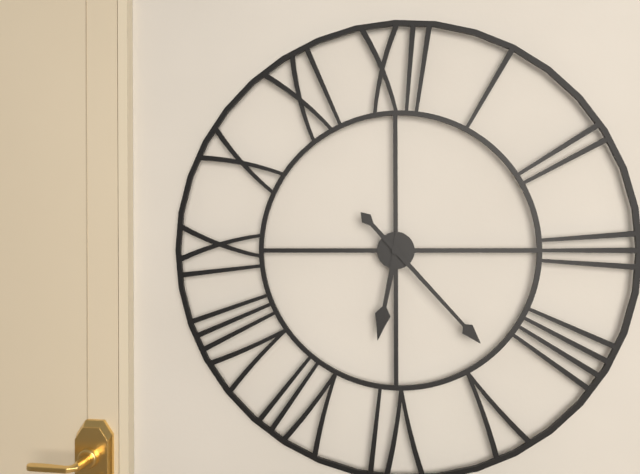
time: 6:23
